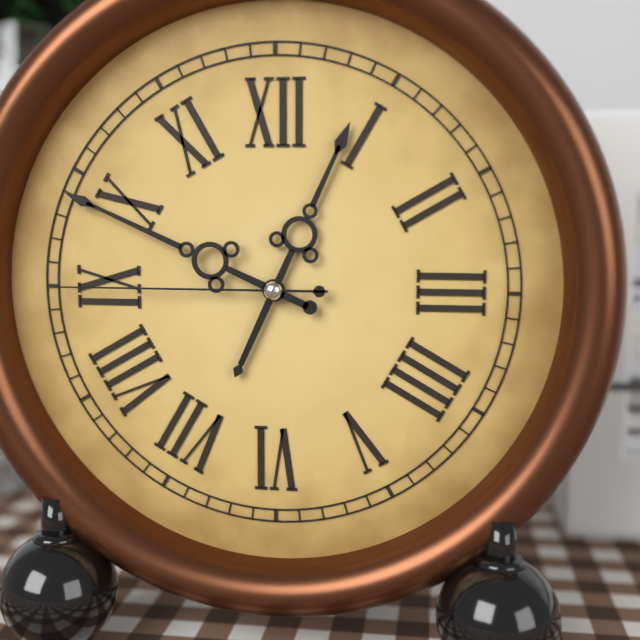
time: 12:49:45
